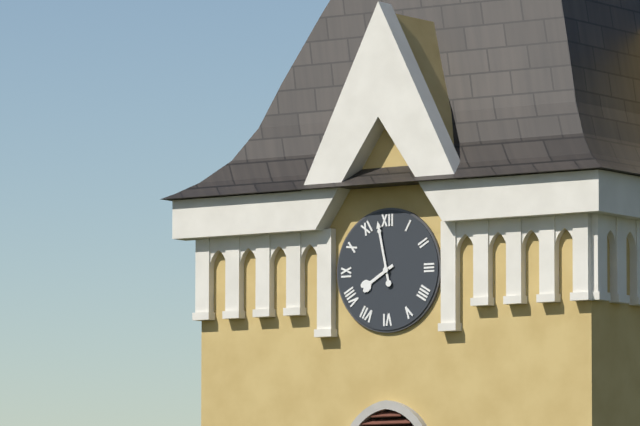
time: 7:58
